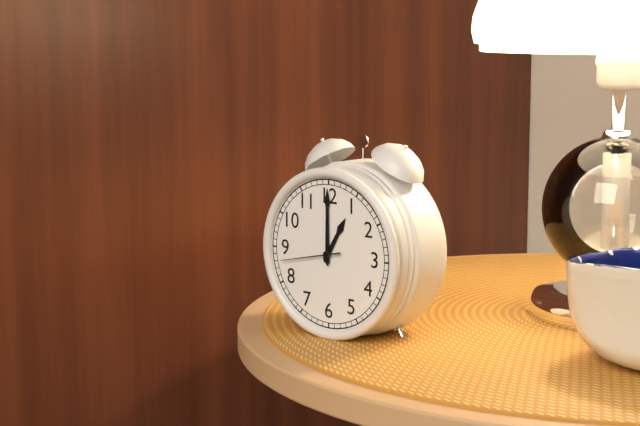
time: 1:00:43
